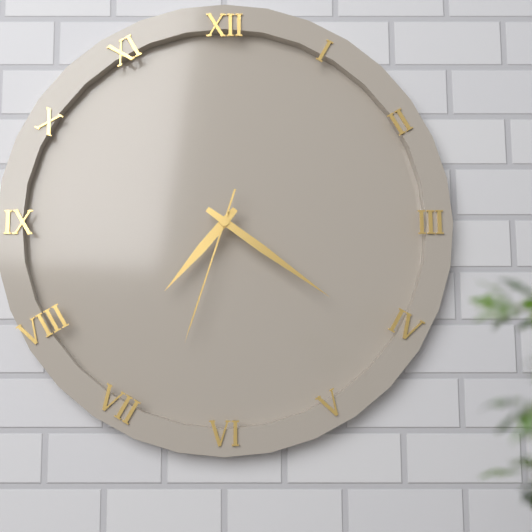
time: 7:21:33
